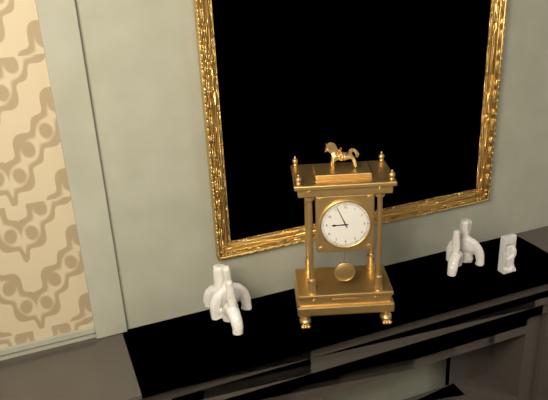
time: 8:56
